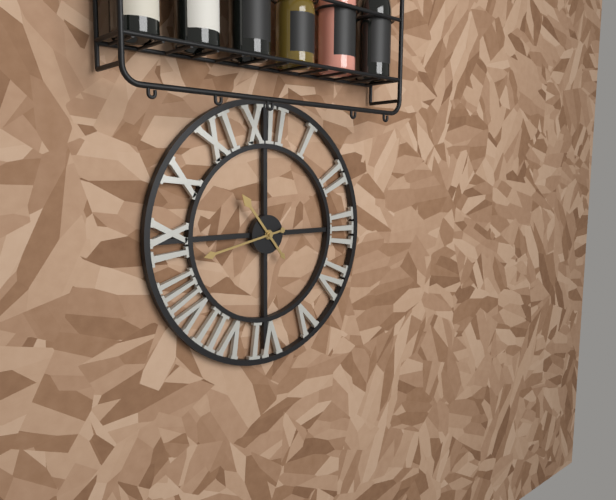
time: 10:43
